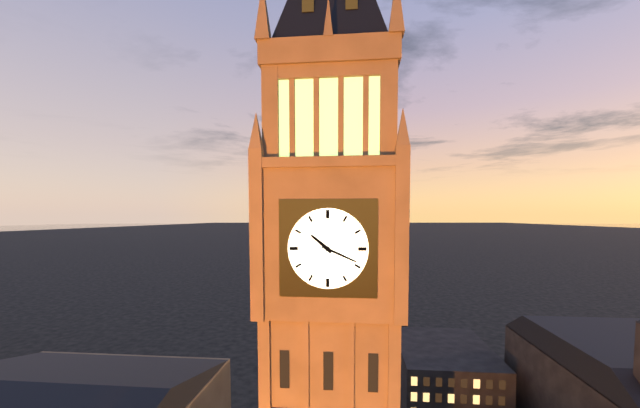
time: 10:19
